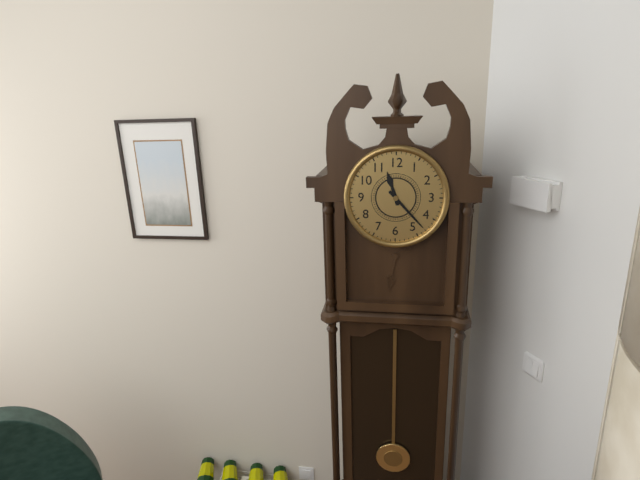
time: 11:23
